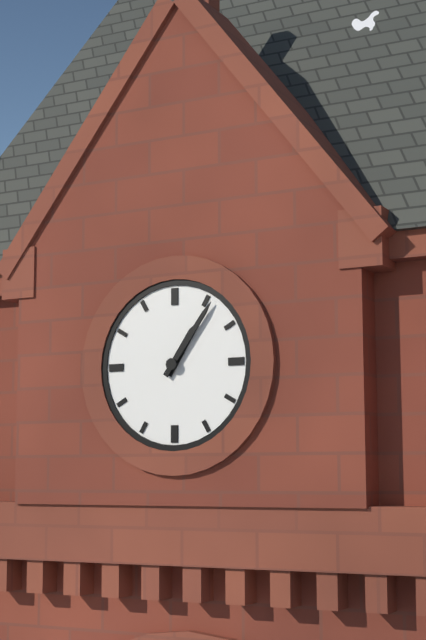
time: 1:06
